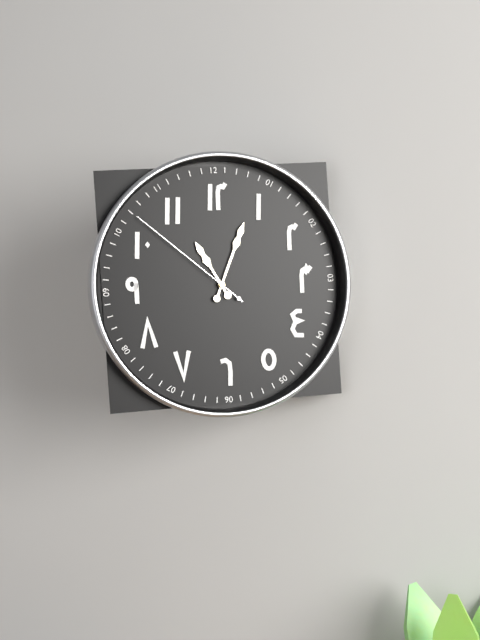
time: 11:04:52
